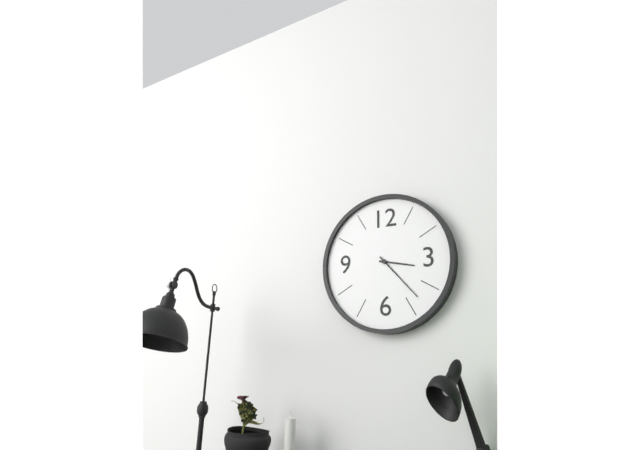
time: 3:23
